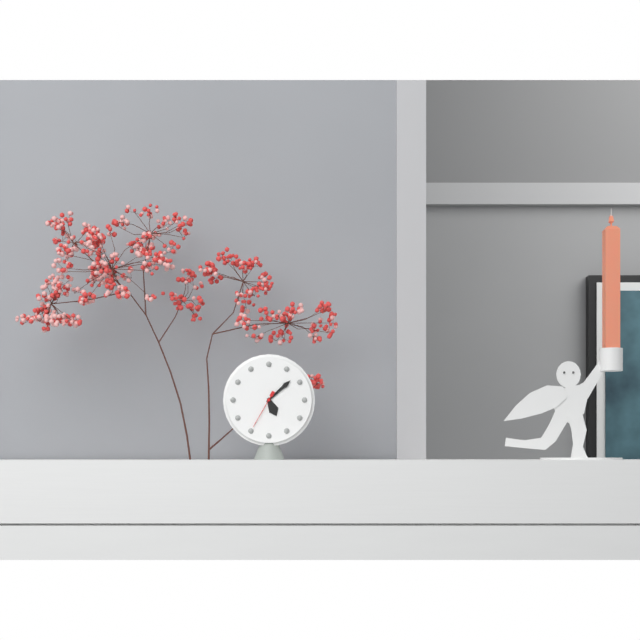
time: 5:08
